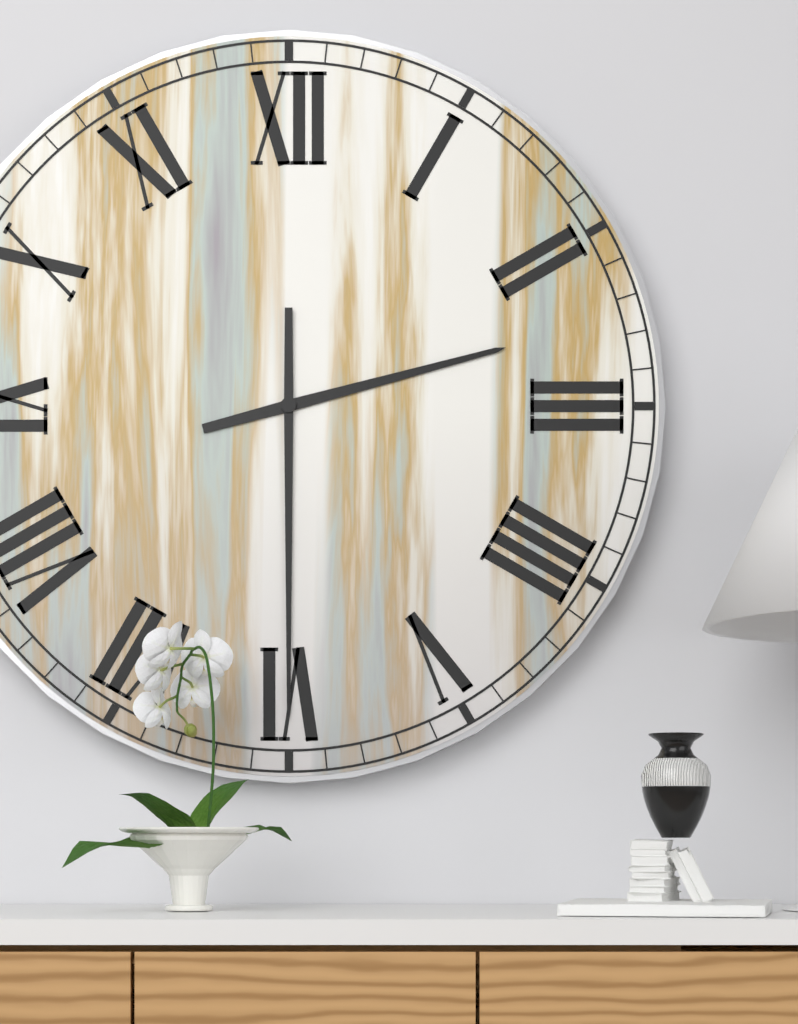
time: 2:30
